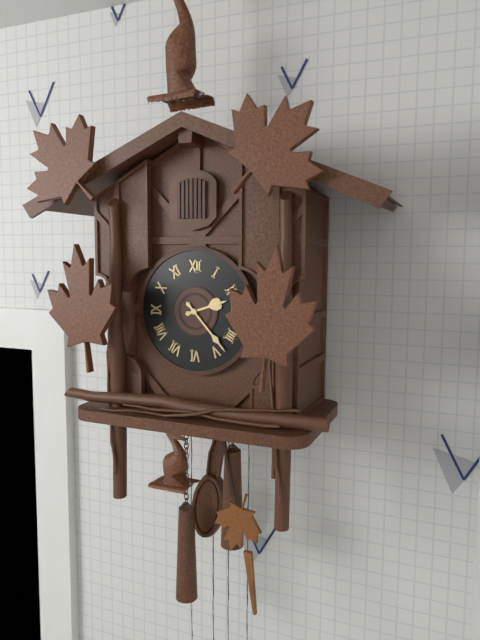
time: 2:23
